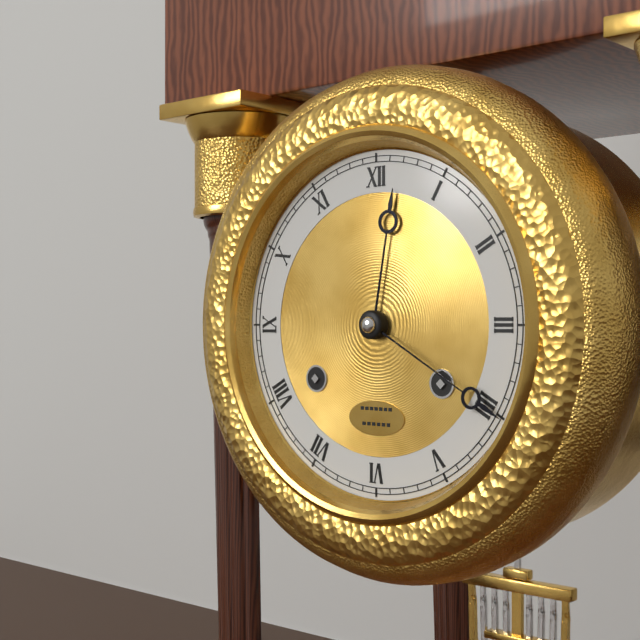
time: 12:20
